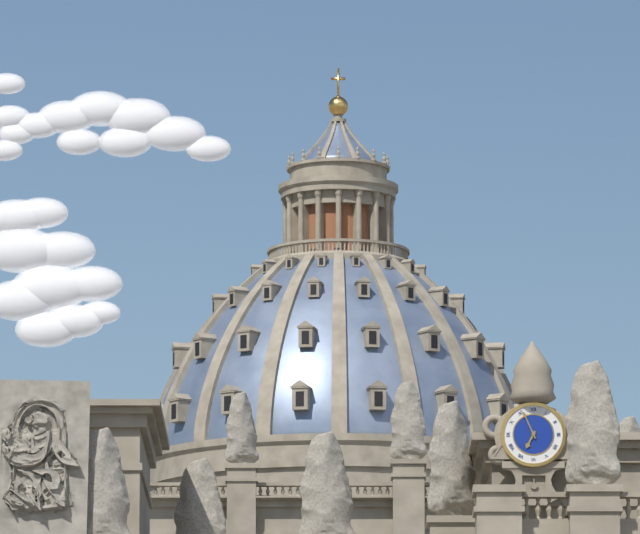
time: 6:56
